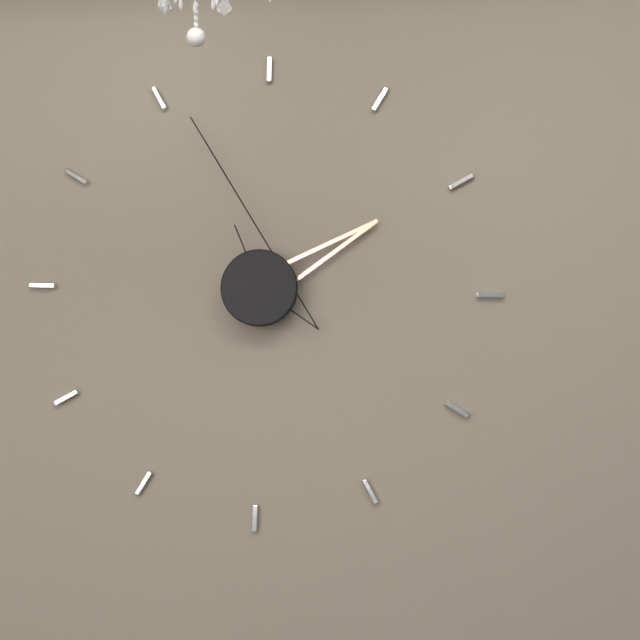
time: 1:56
